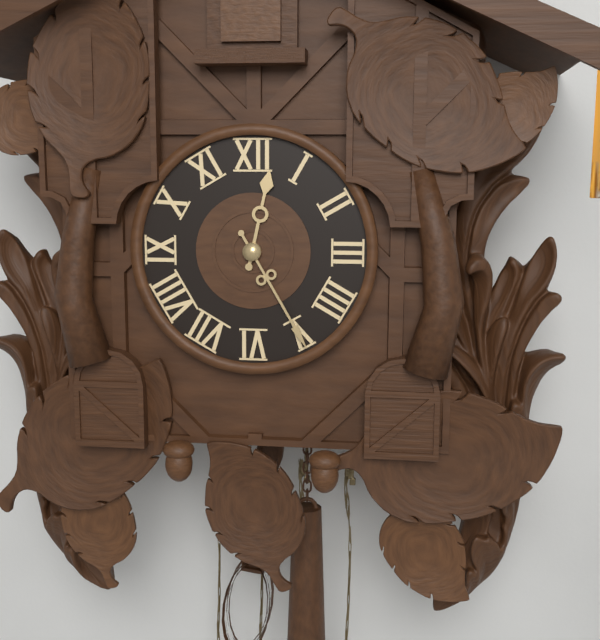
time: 12:25
